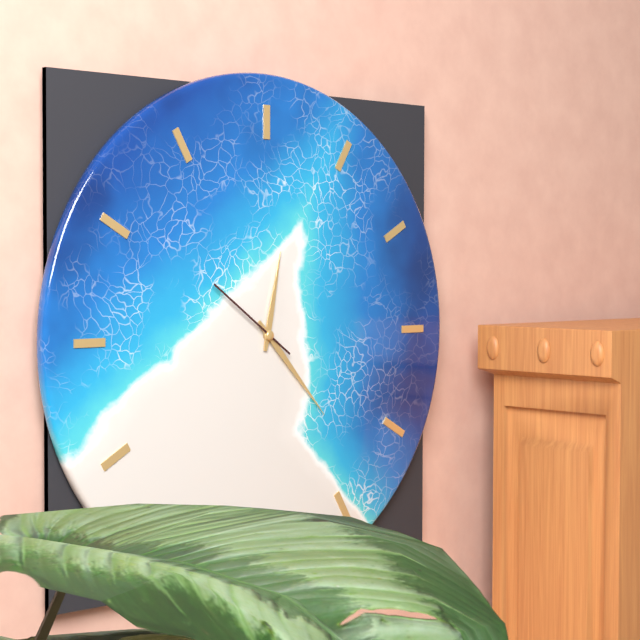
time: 12:23:51
